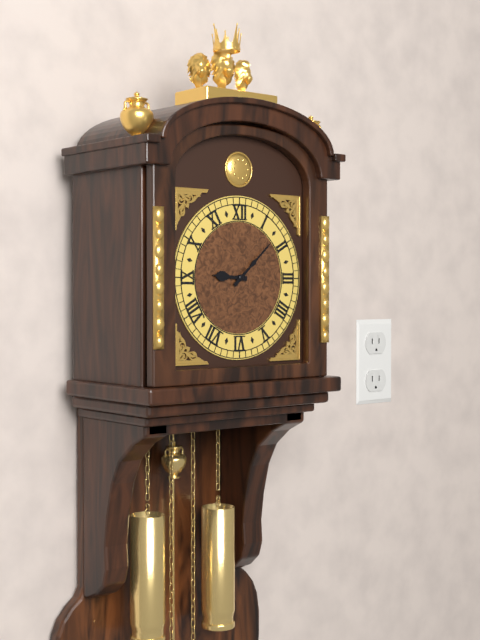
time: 9:08
